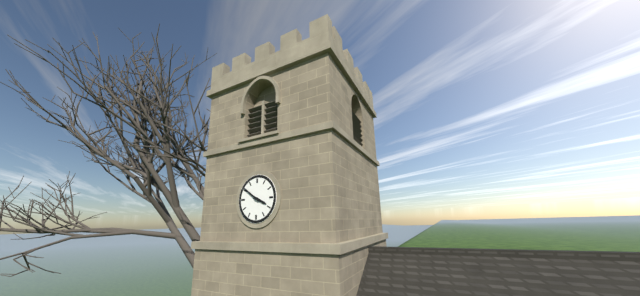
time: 3:51
